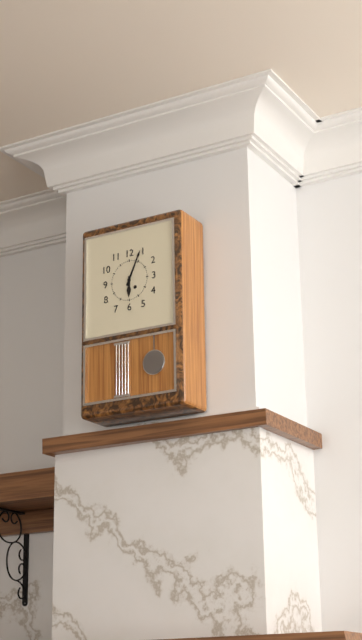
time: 6:04
